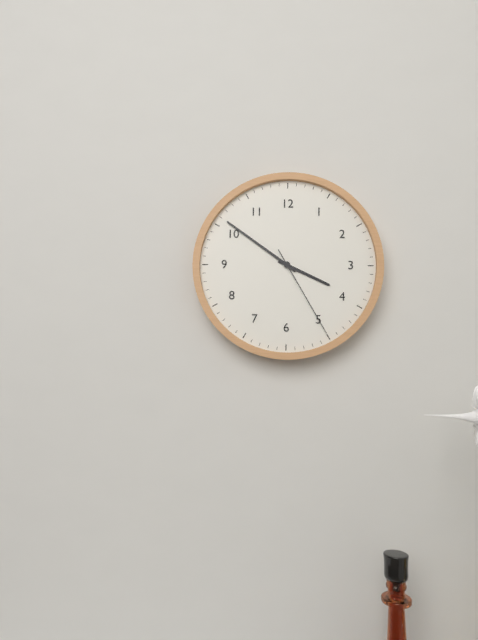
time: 3:51:25
